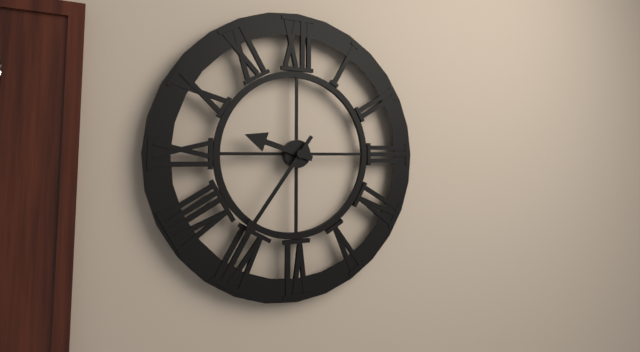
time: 9:36
